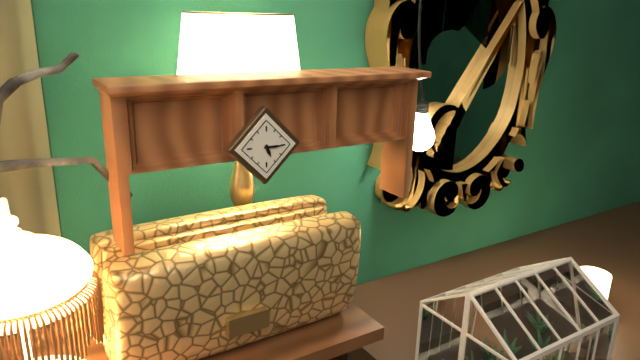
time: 5:15
